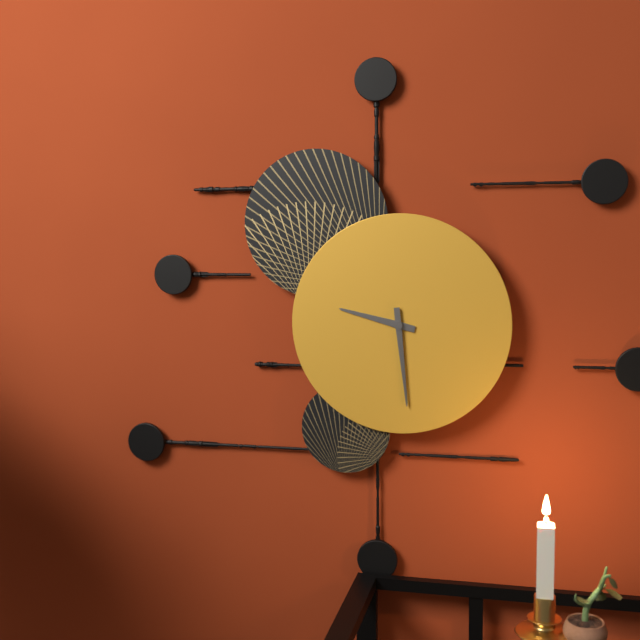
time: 9:29
